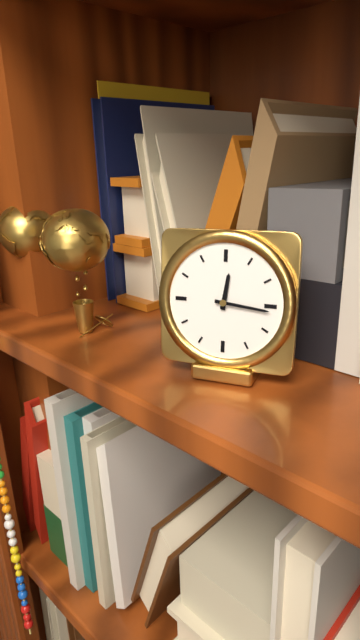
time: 12:16
